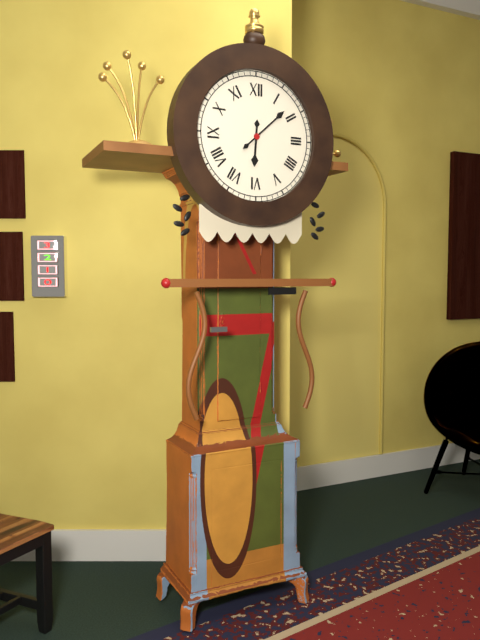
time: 6:08
